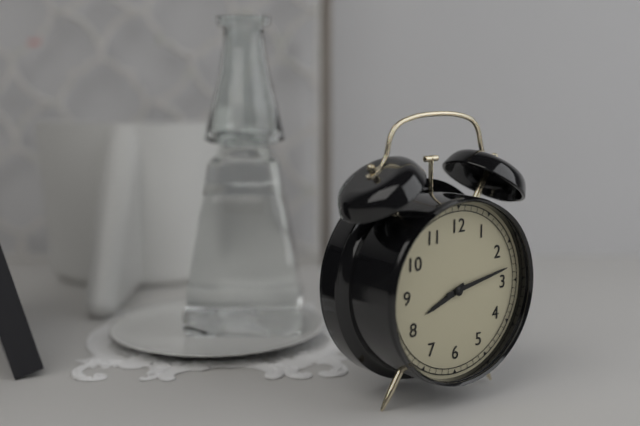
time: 8:13
